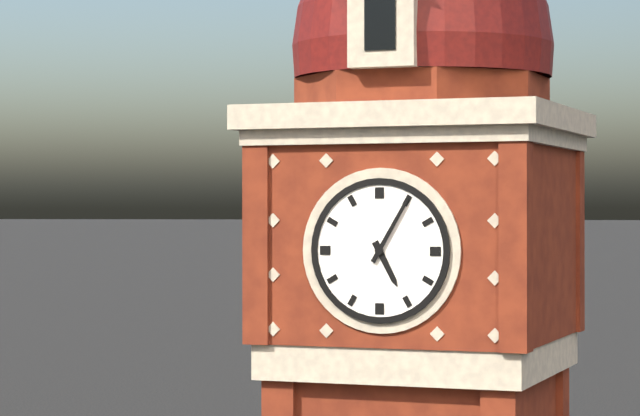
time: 5:05
